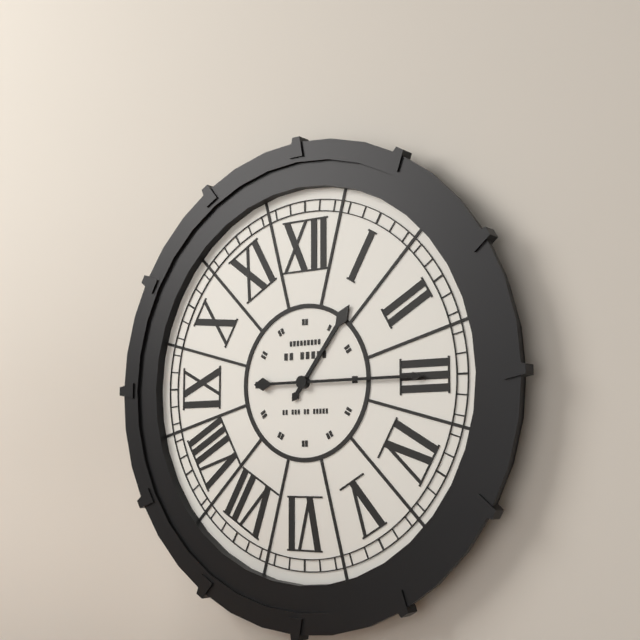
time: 1:15
